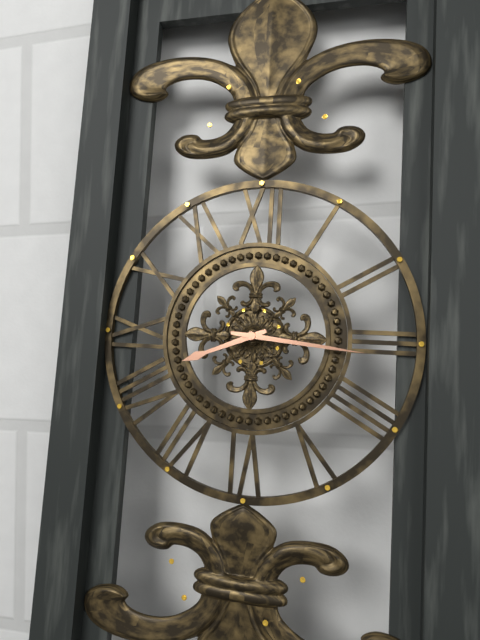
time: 8:16
